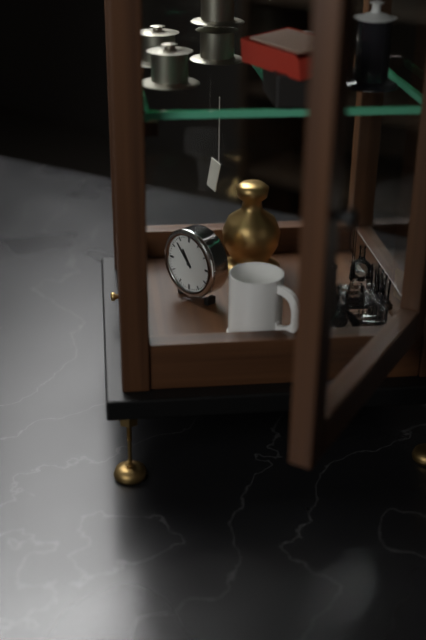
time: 10:53
